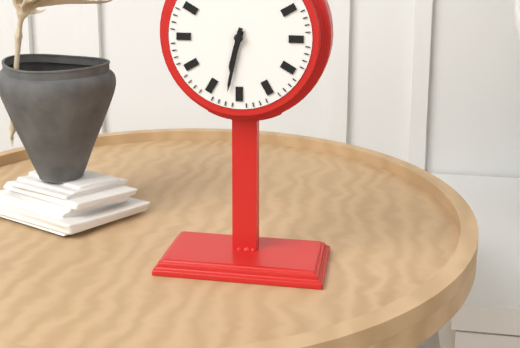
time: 6:32
